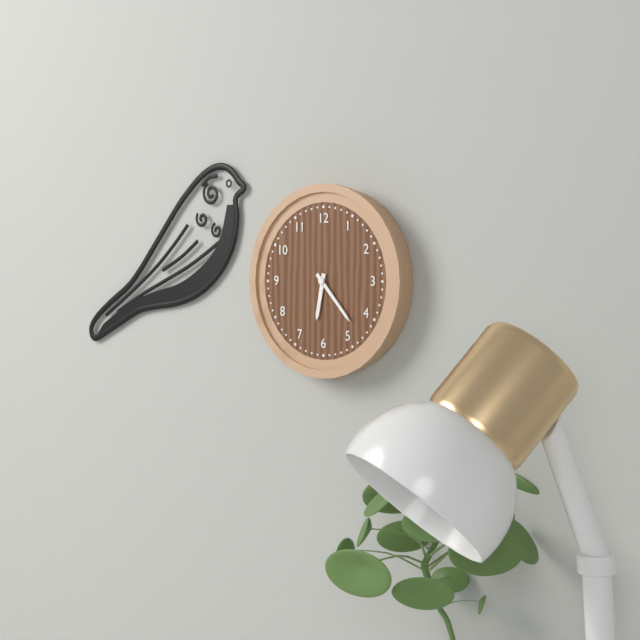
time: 6:23
